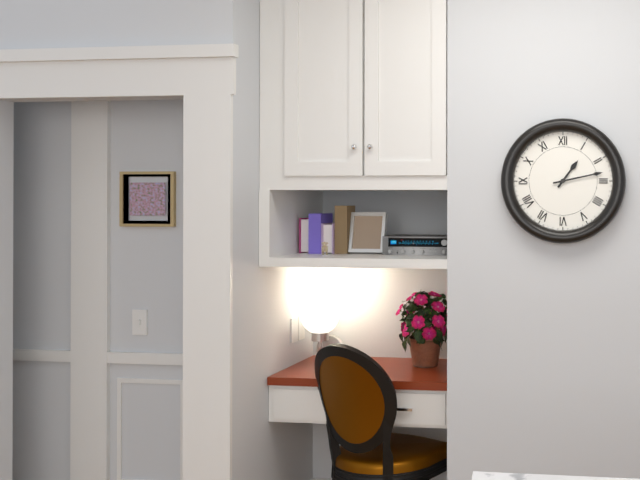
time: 1:13
